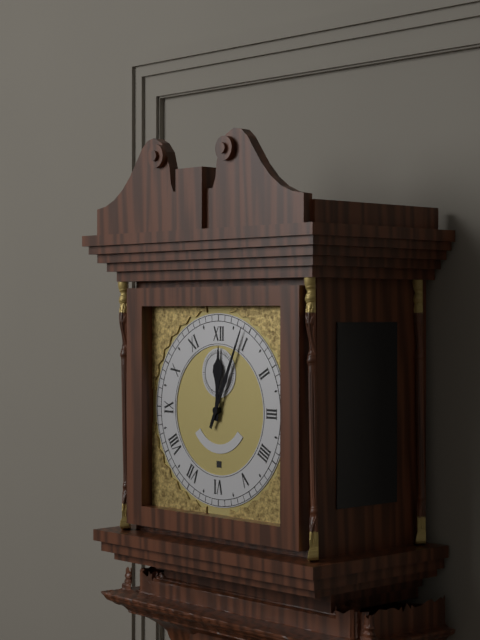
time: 12:04
